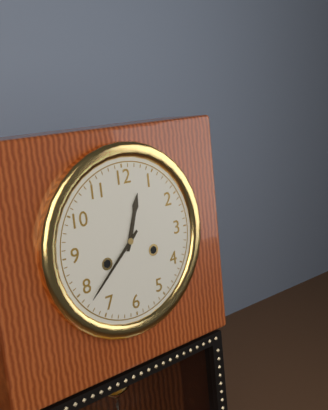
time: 12:38
